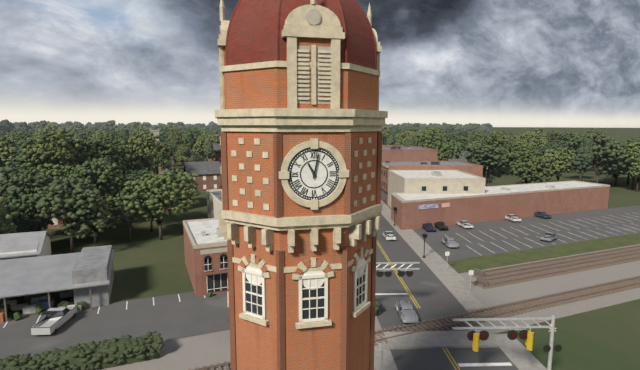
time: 11:02
